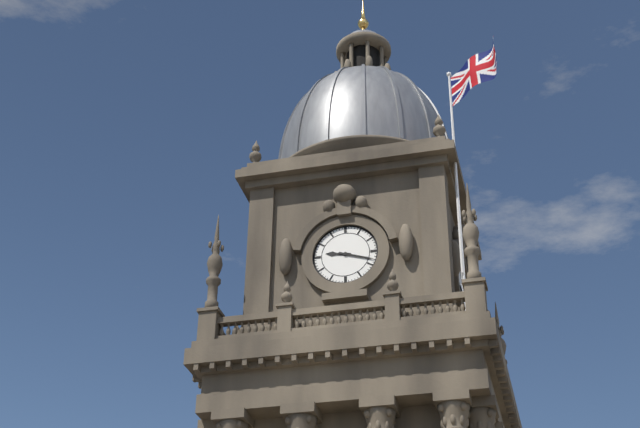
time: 9:18
